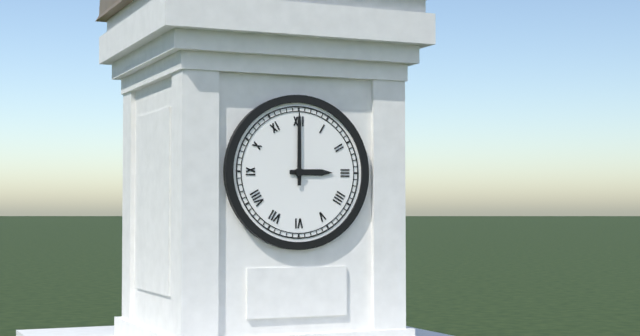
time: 3:00
